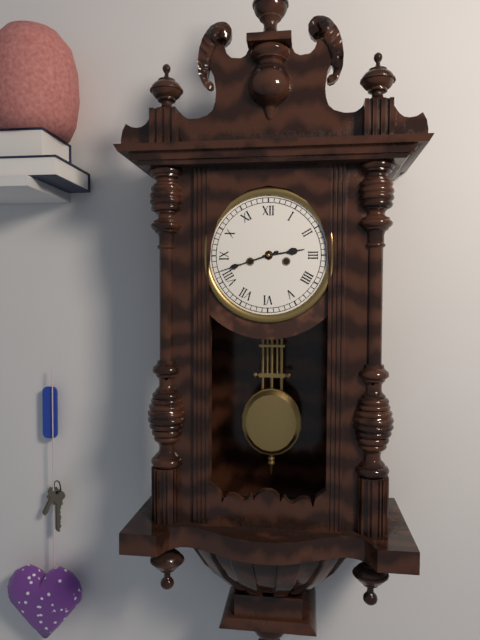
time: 2:42
